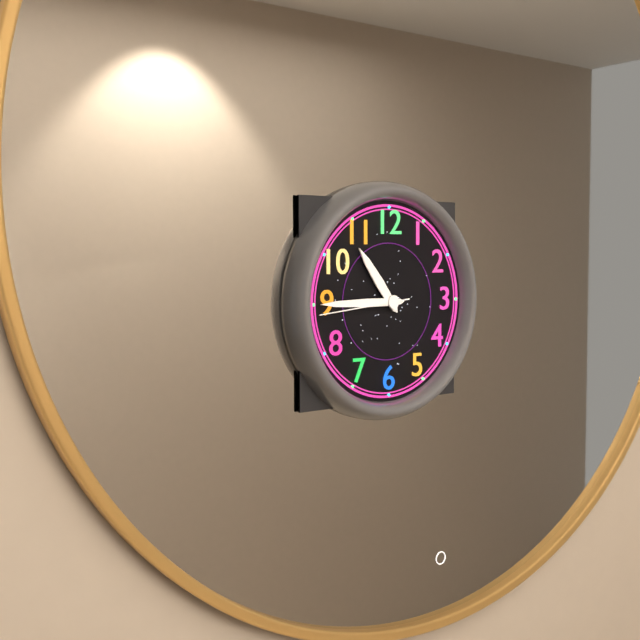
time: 10:45:44
